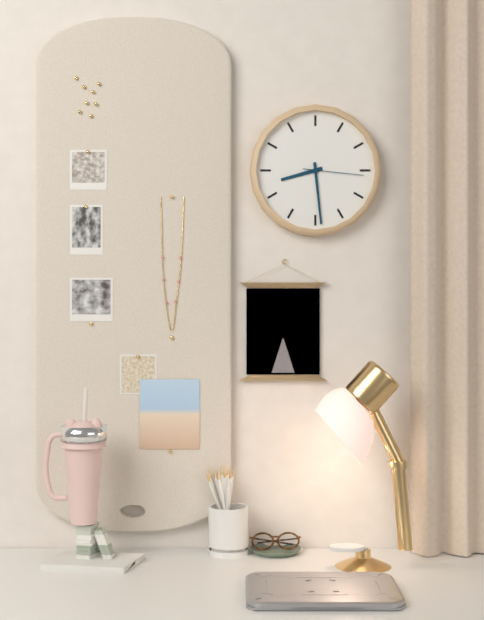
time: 8:29:16
